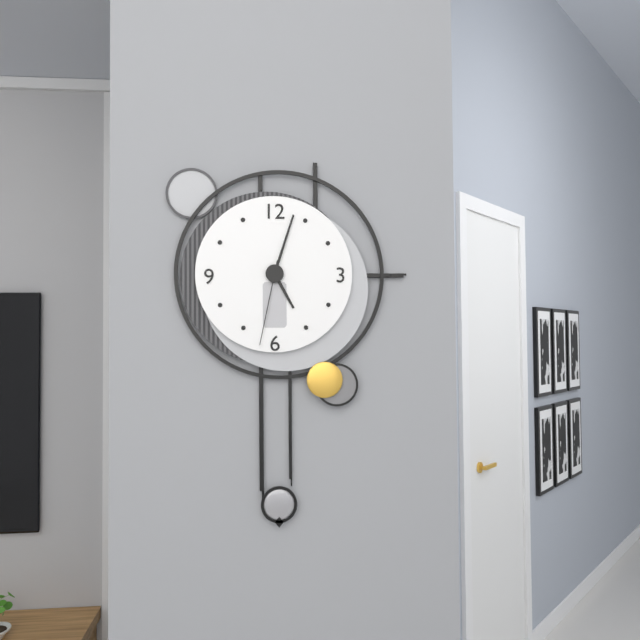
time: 5:03:32
